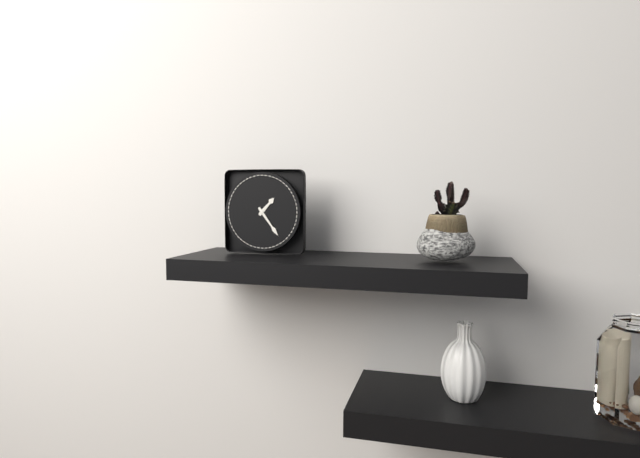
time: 1:24
